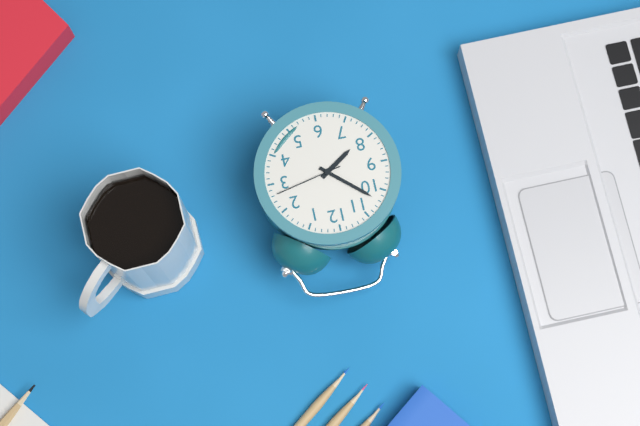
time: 7:52:13
